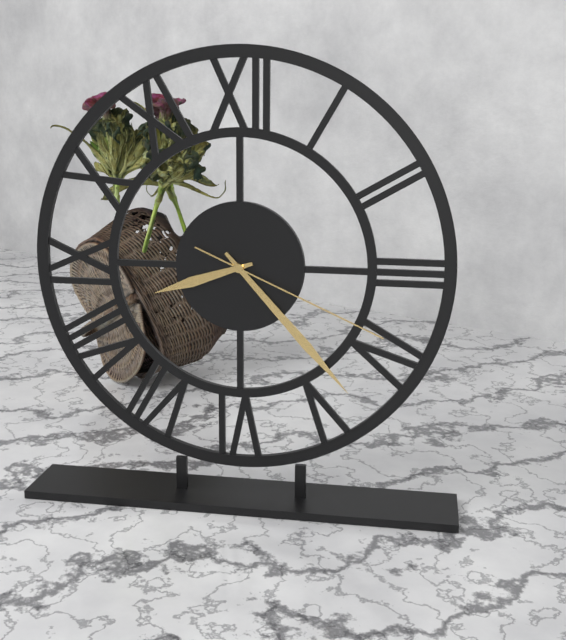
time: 8:23:19
